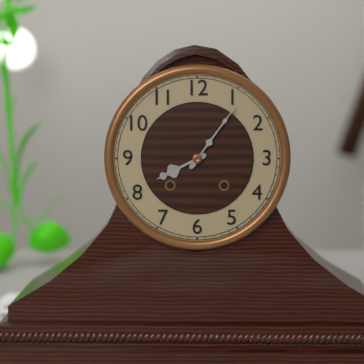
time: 8:06
